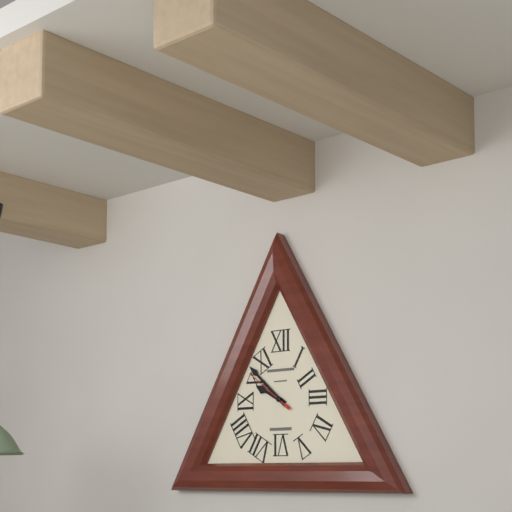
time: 9:52
